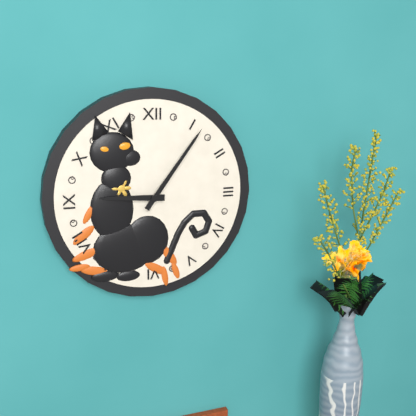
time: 9:06
